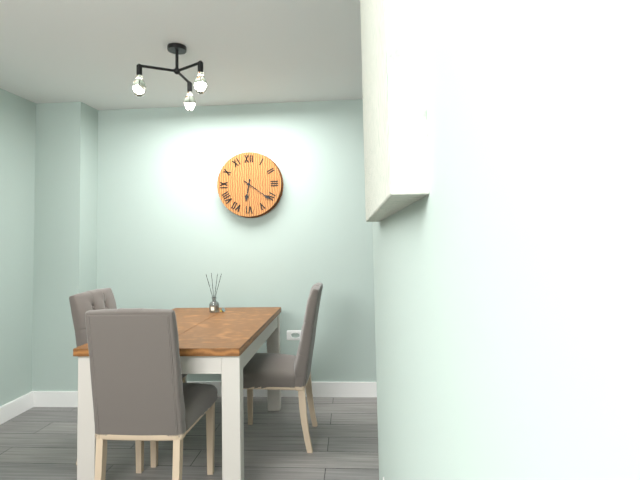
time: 6:21
